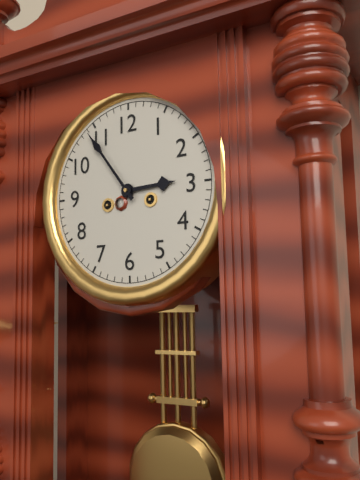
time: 2:54
